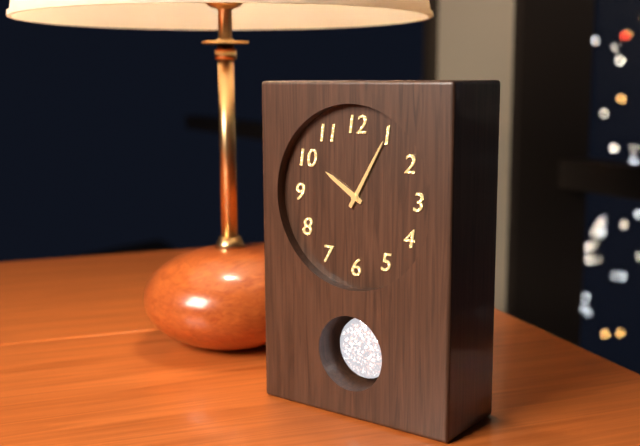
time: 10:05
